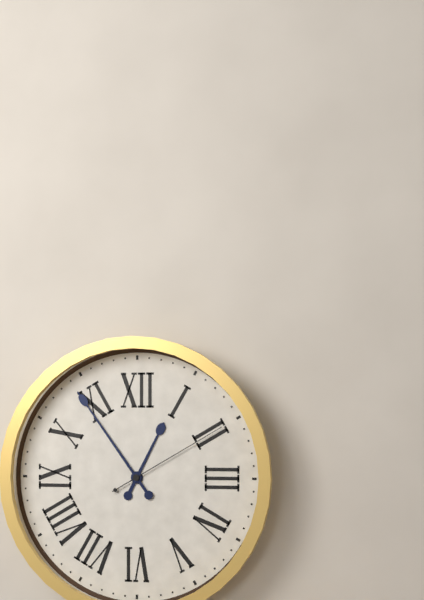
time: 12:54:10
